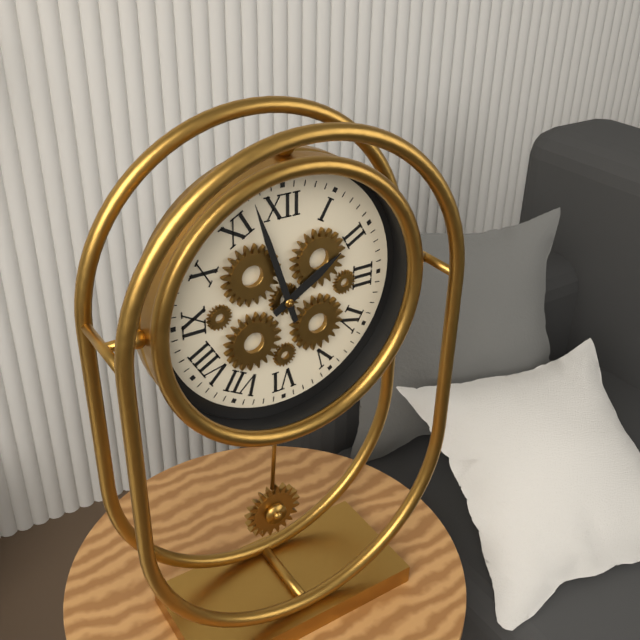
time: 1:57
